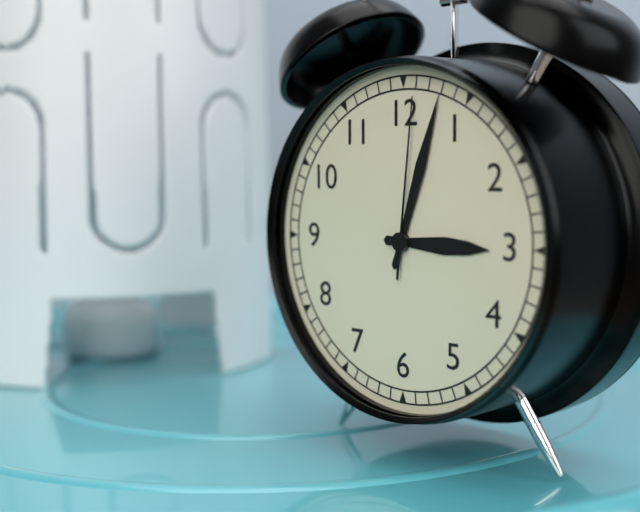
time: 3:03:01
